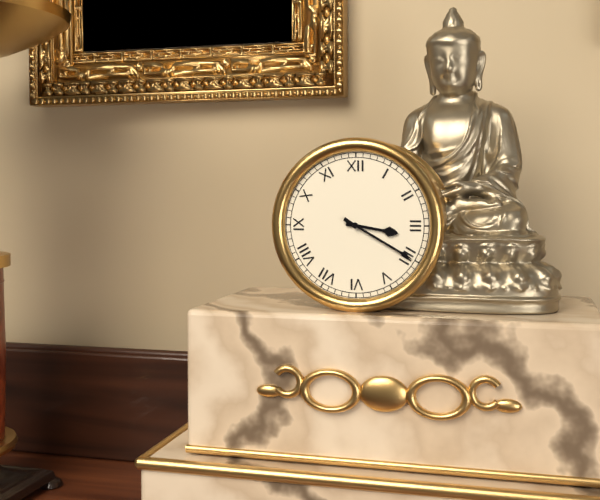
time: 3:20
